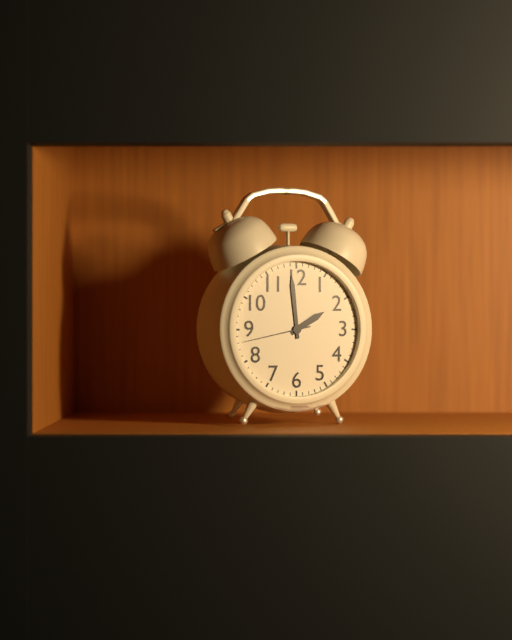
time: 1:59:43
